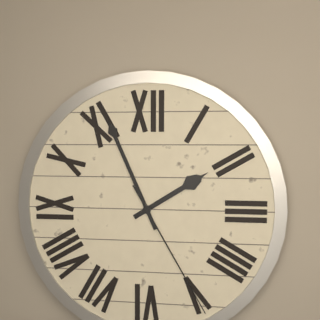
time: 1:56:25
